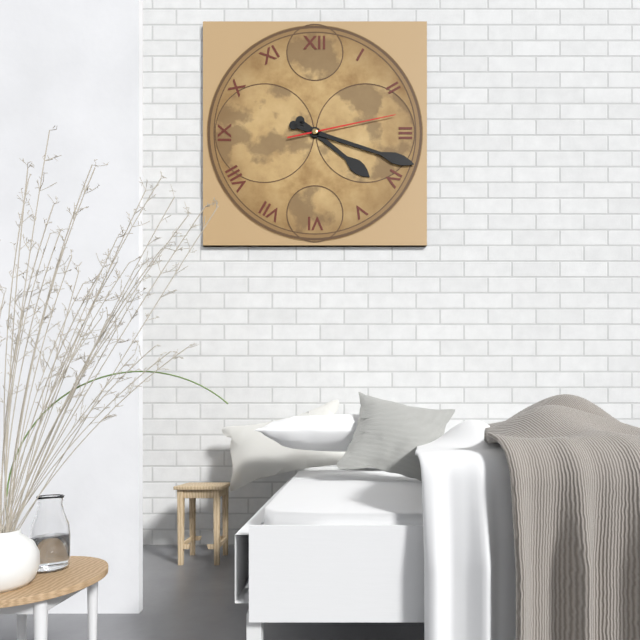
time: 4:18:13
